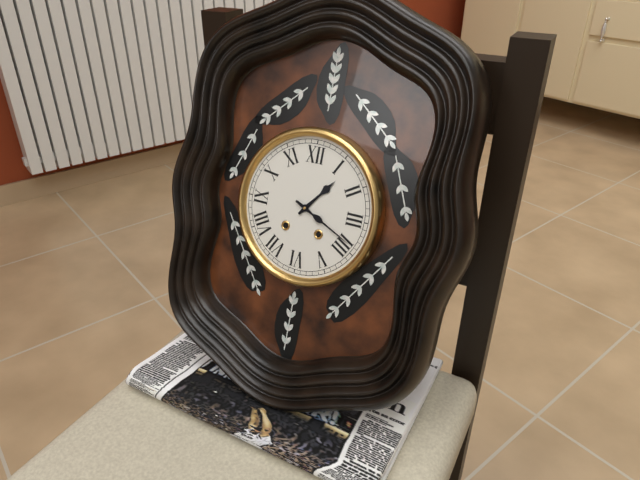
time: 1:19
